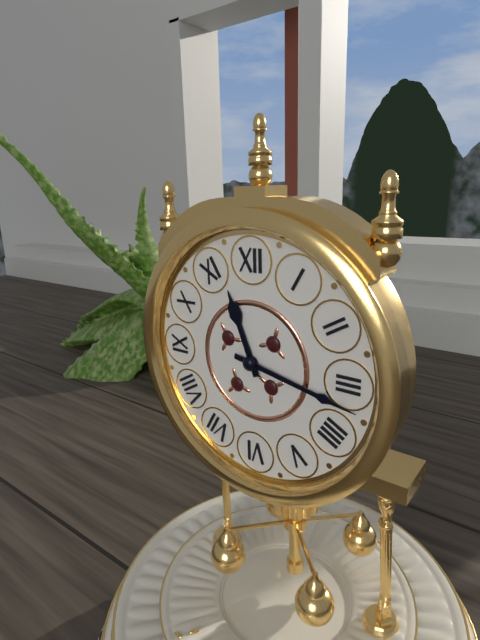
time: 11:17
